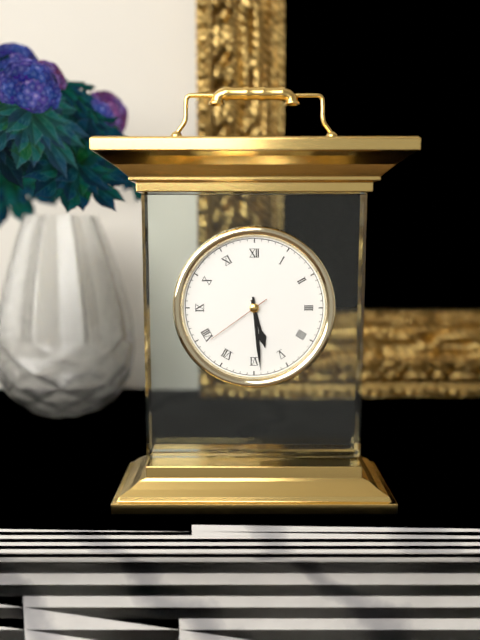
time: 5:29:39
